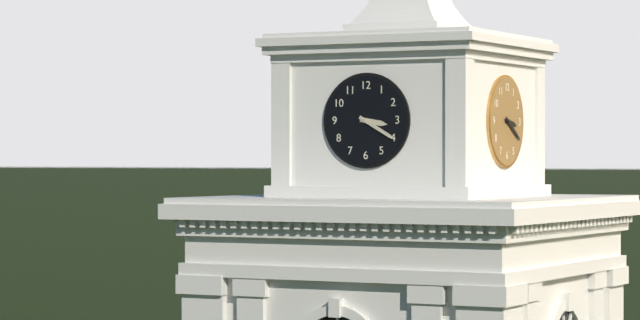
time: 3:20
